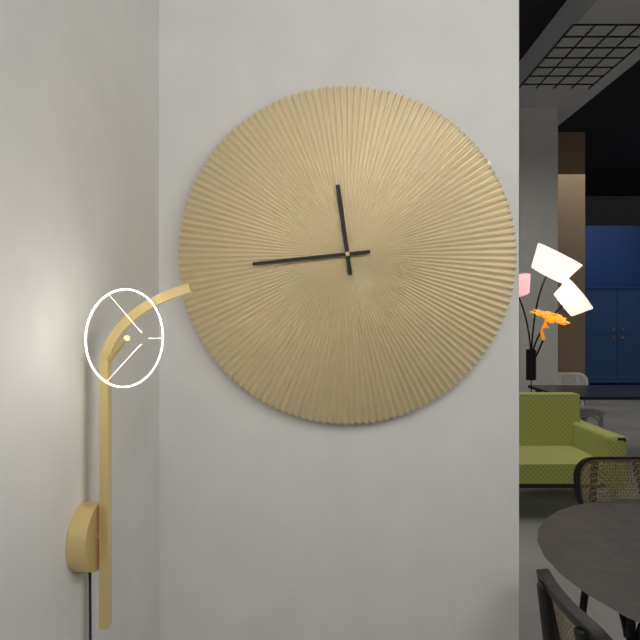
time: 11:44
